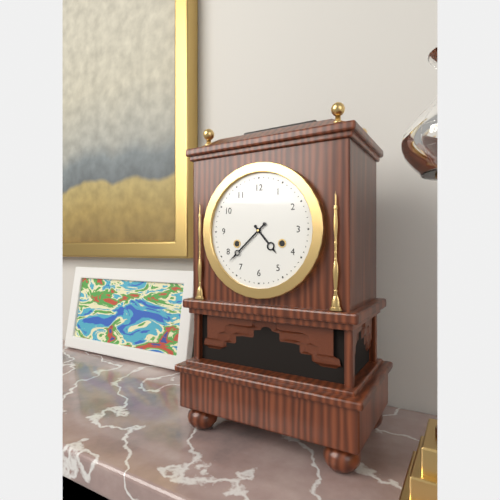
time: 4:38
